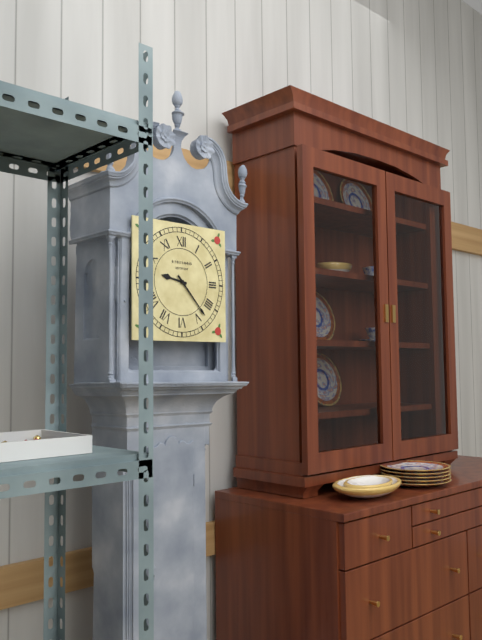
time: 9:23
